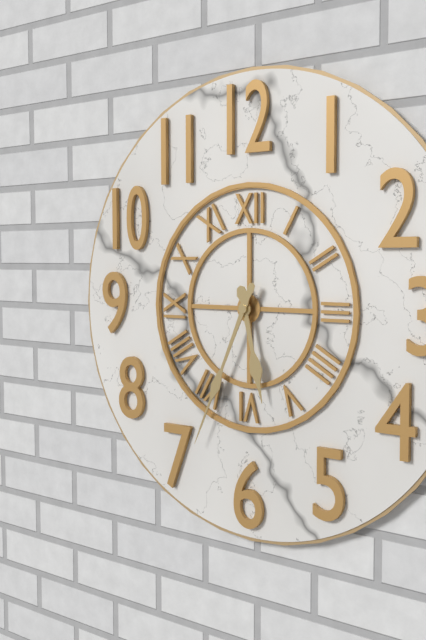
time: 5:34
